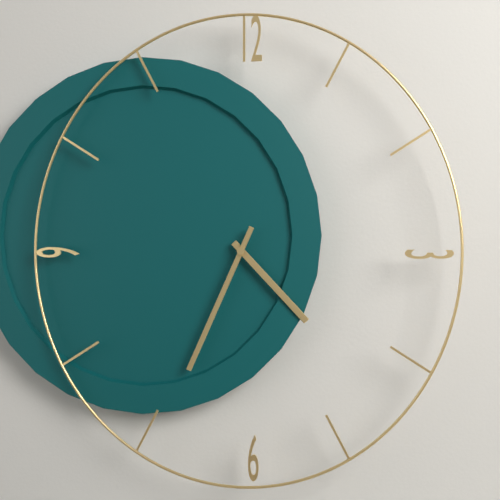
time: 4:34
